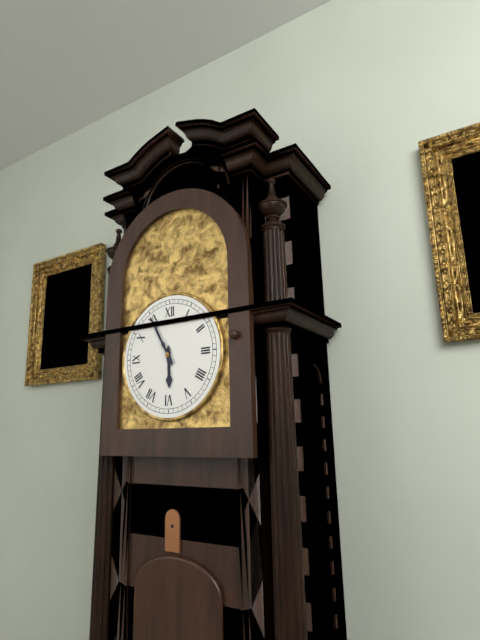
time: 5:55
